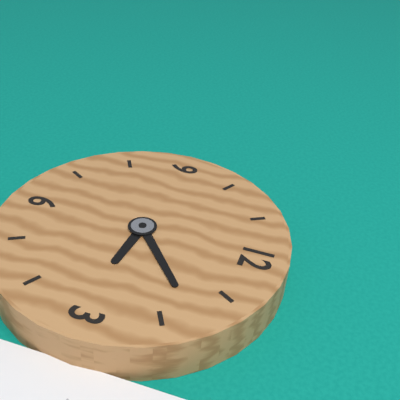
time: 3:08
